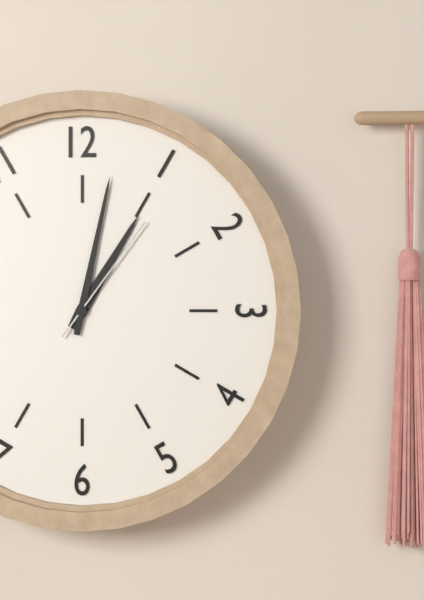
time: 1:02:06
